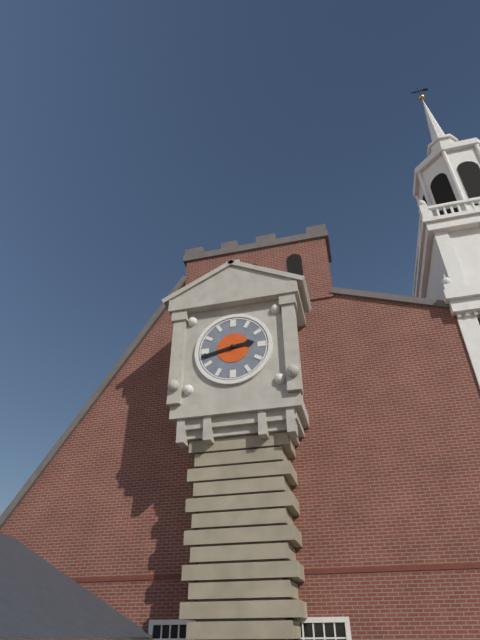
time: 2:43
